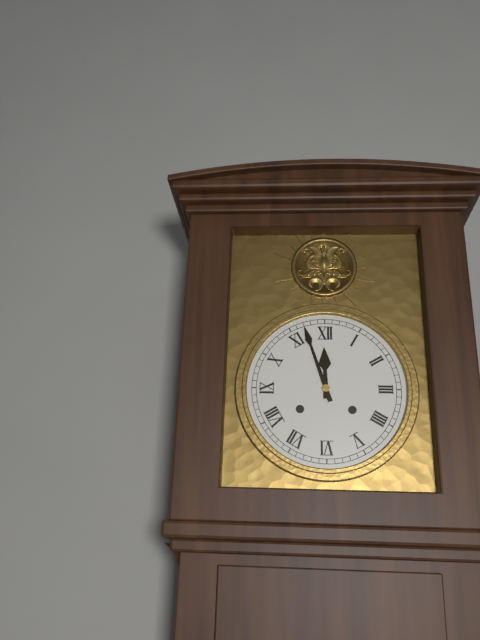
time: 11:57
